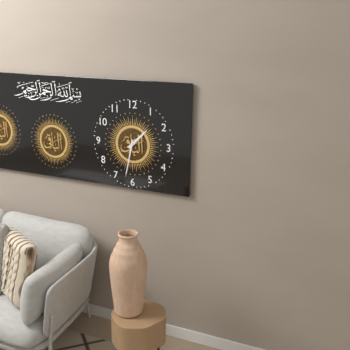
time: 1:32
